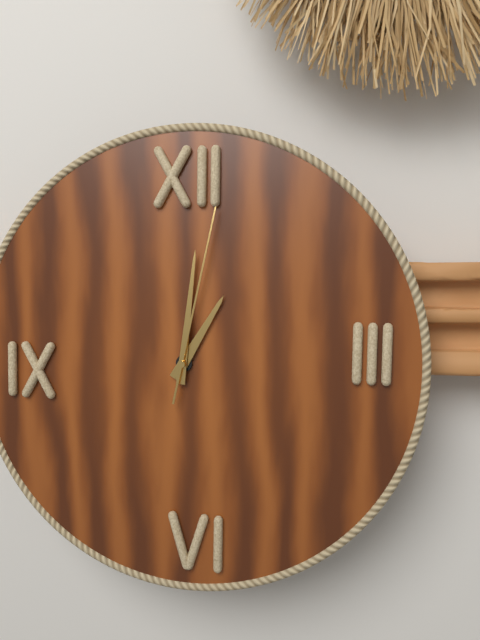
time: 1:01:02
